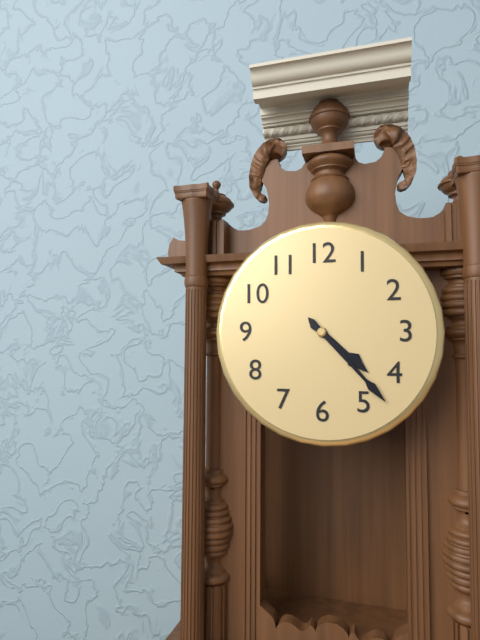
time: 4:23
